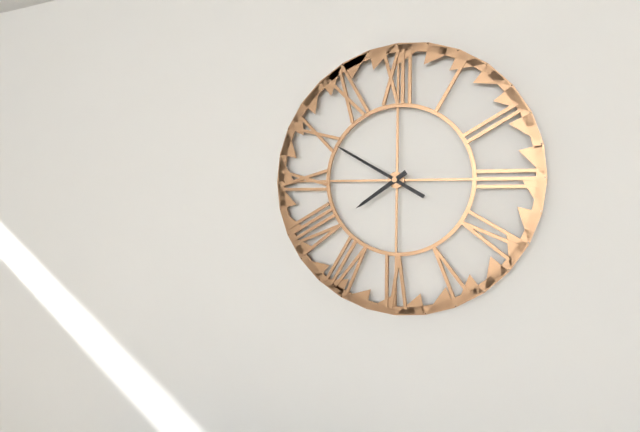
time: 7:50
